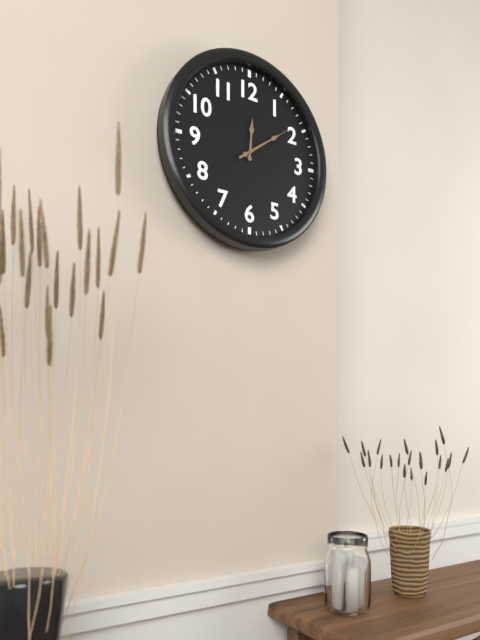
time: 12:09:09
